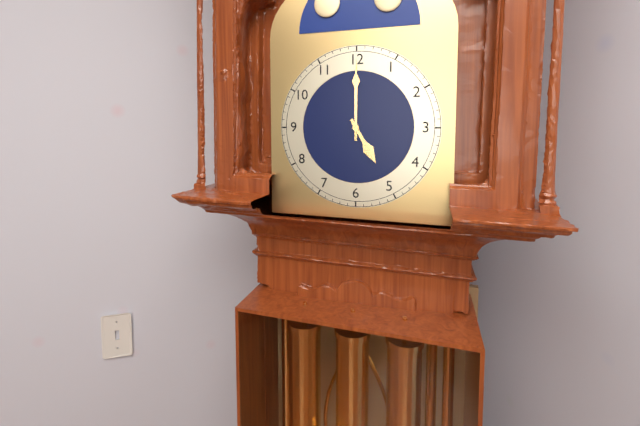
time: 5:00
